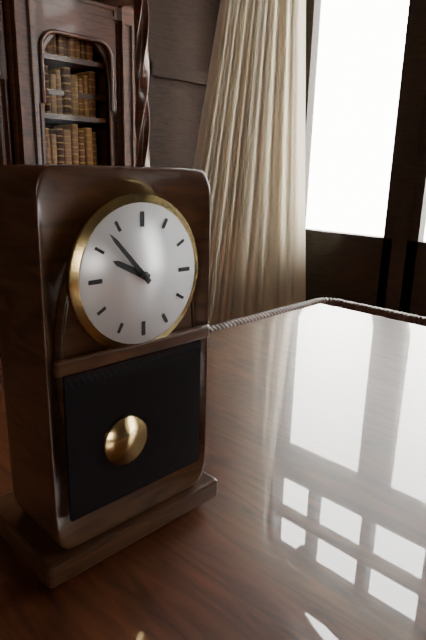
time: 9:53
